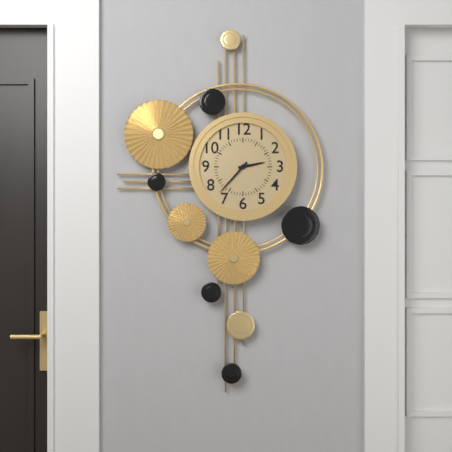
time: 2:37
